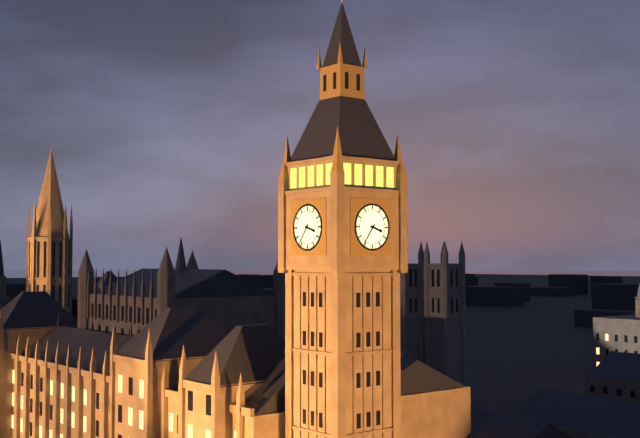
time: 3:36
